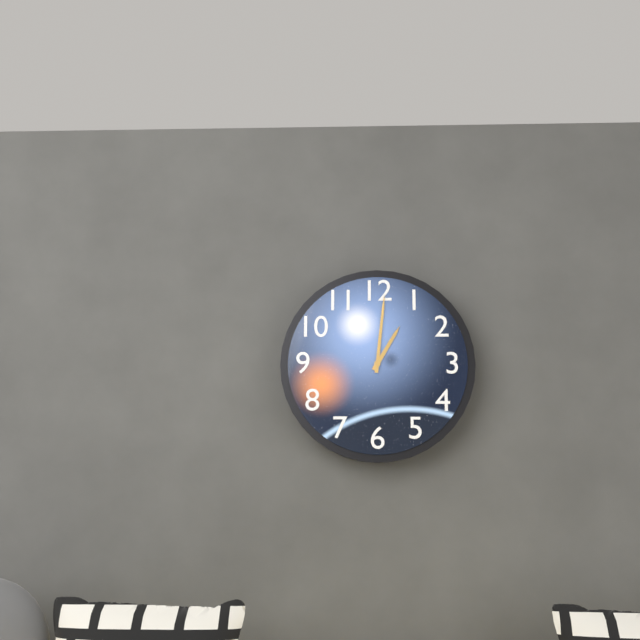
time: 1:01
